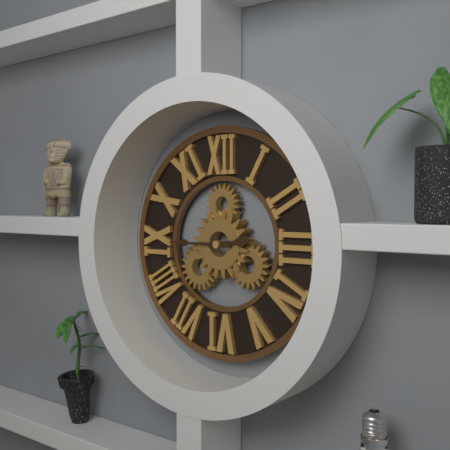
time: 2:45
